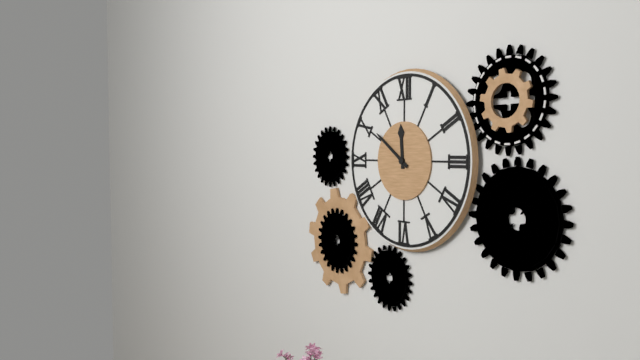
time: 11:51
